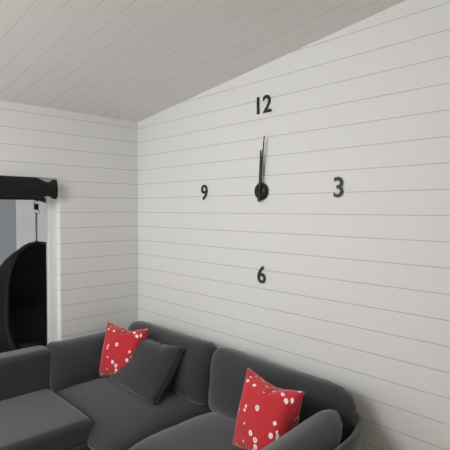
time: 12:01
